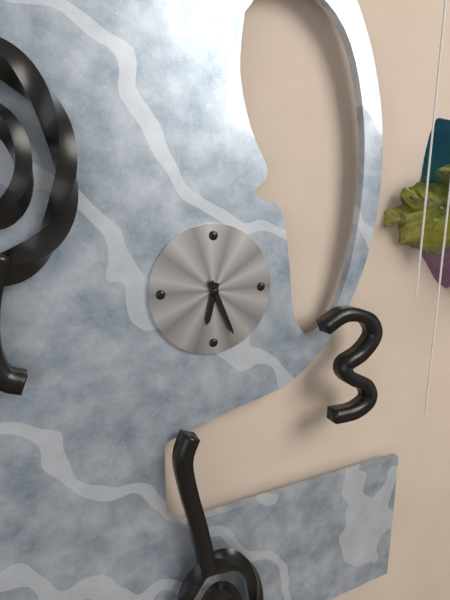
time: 6:26
